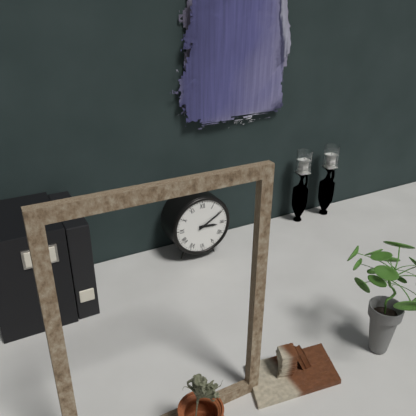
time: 3:10
